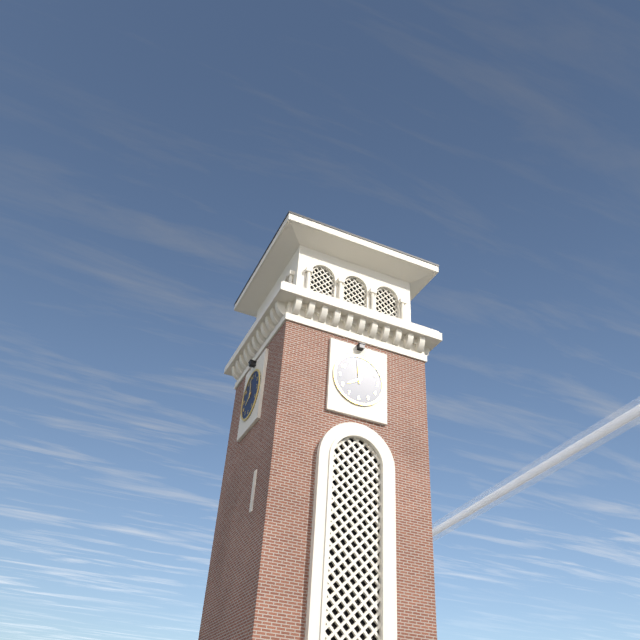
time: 7:59
